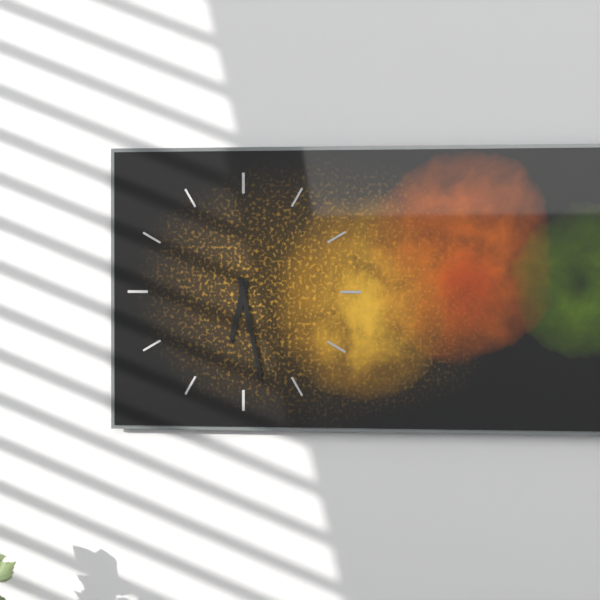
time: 6:28
